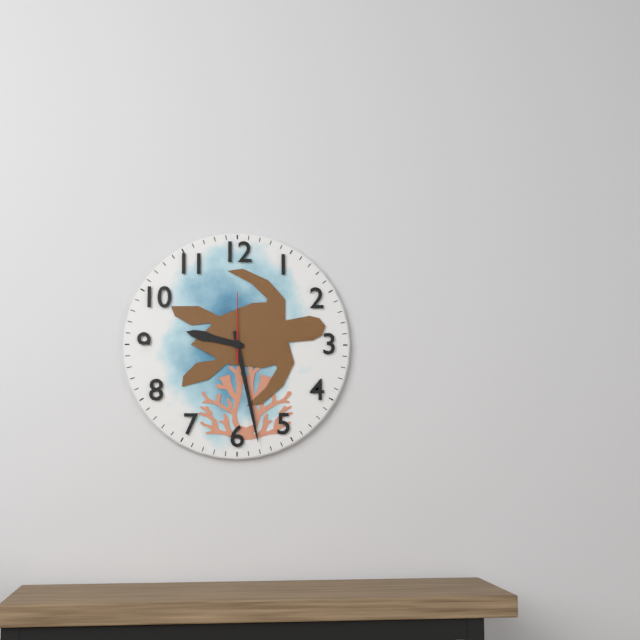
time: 9:28:00
